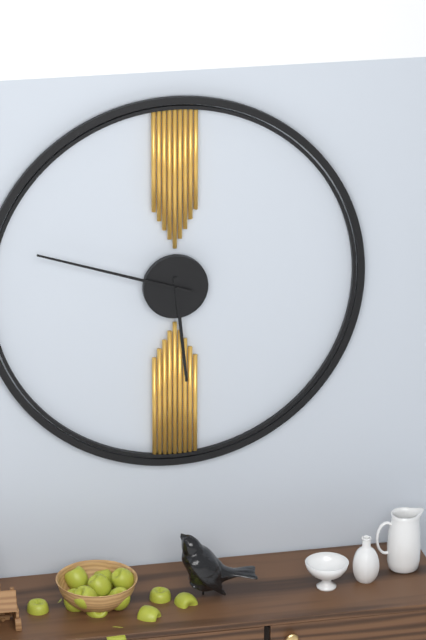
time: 5:48
